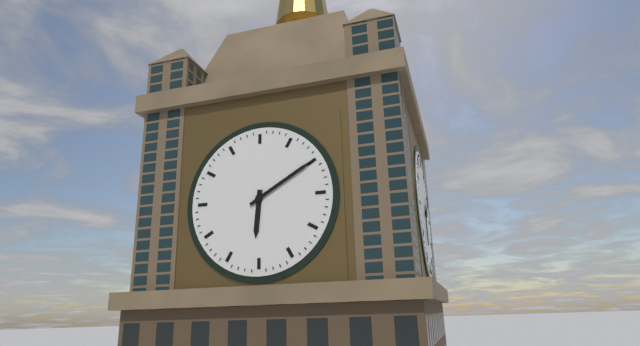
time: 6:10
